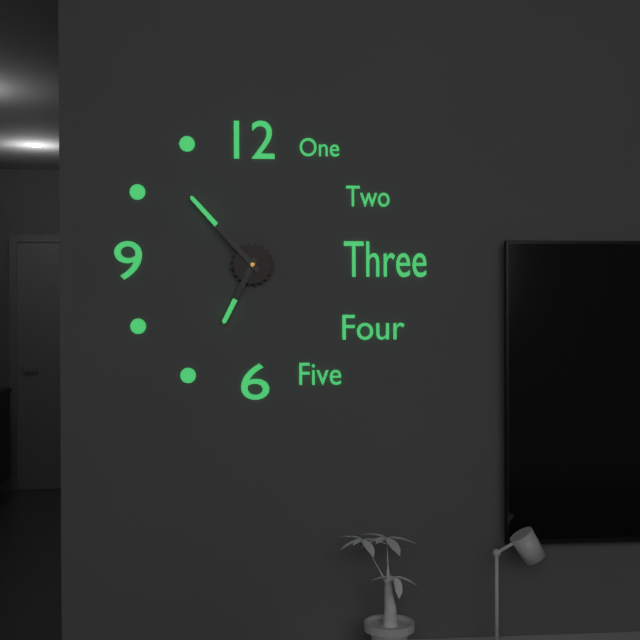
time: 6:53
